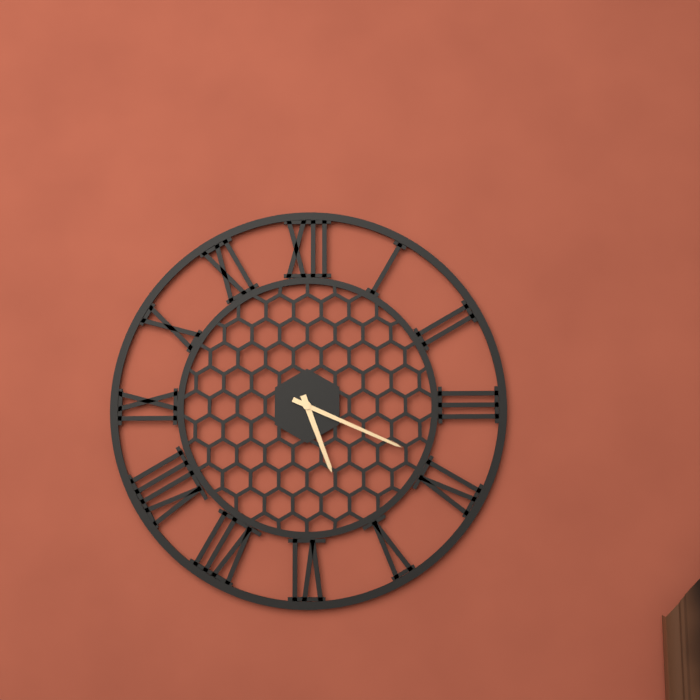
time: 5:19
